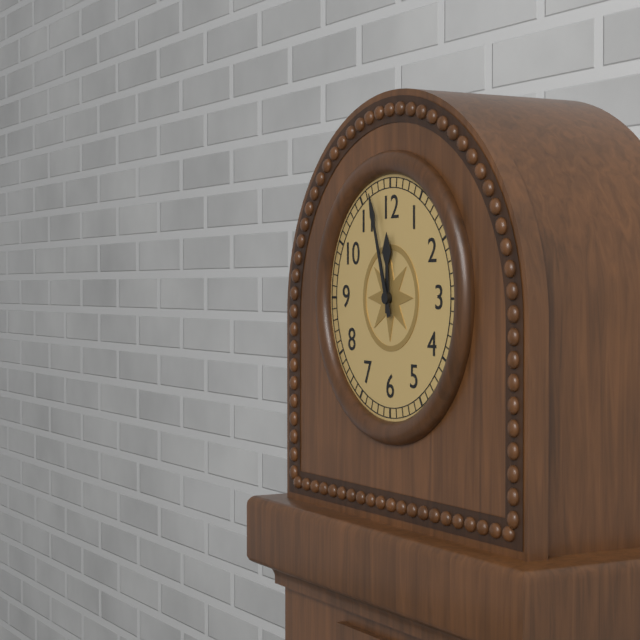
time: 11:57
